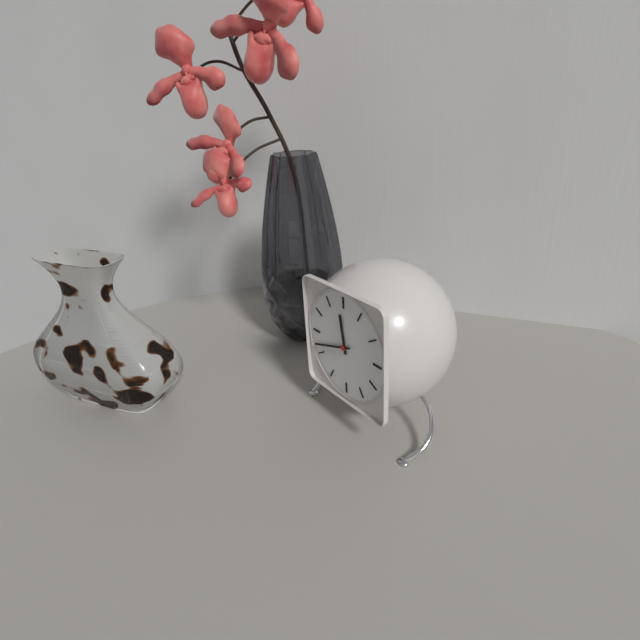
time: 11:42
